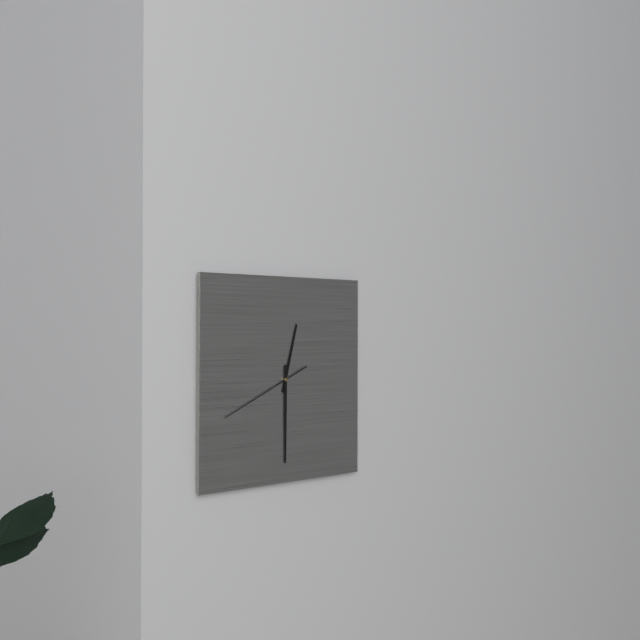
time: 12:30:41
